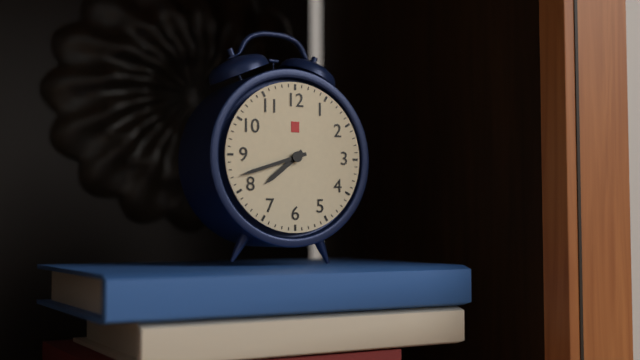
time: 7:42
